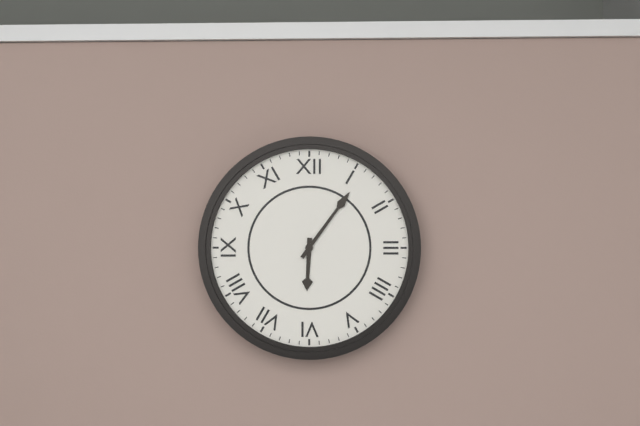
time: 6:06
